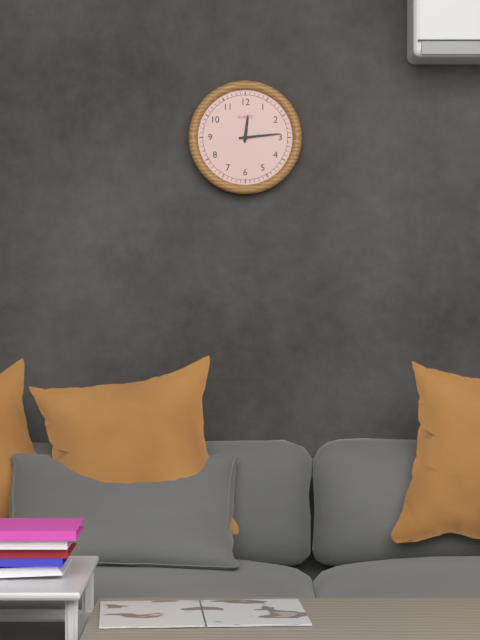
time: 12:14
